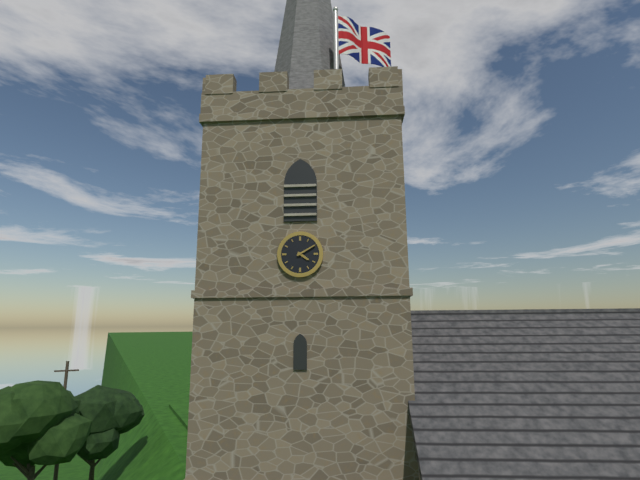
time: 4:10
